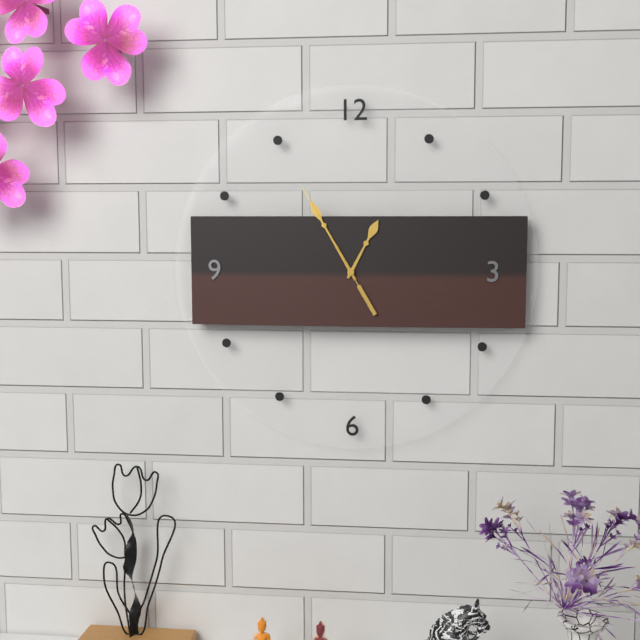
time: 12:55:55
